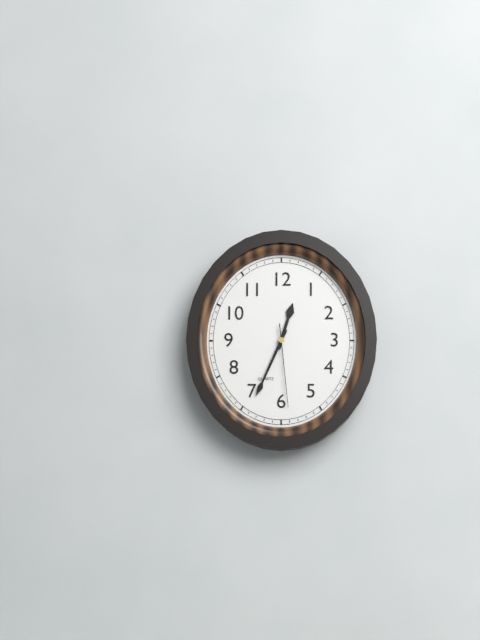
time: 12:34:29
